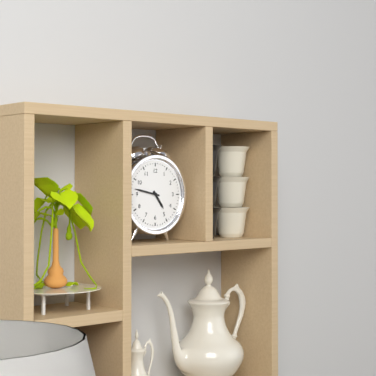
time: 4:47
